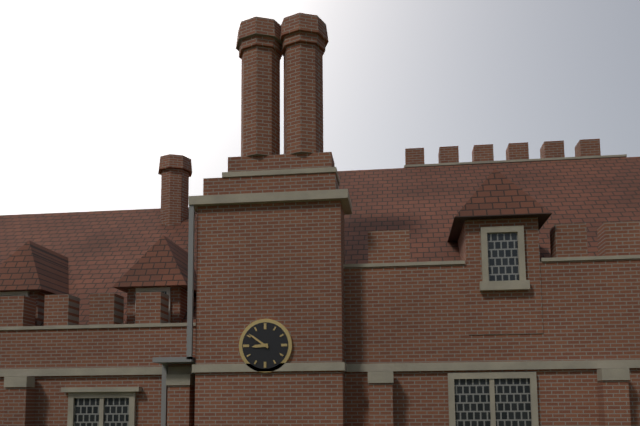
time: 8:51
